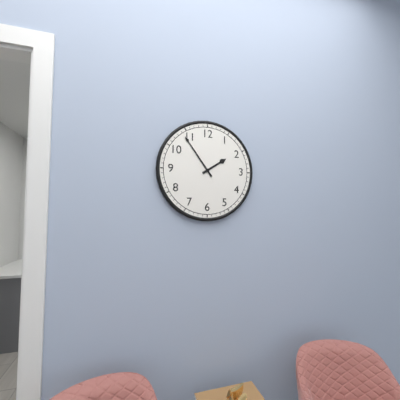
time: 1:54
